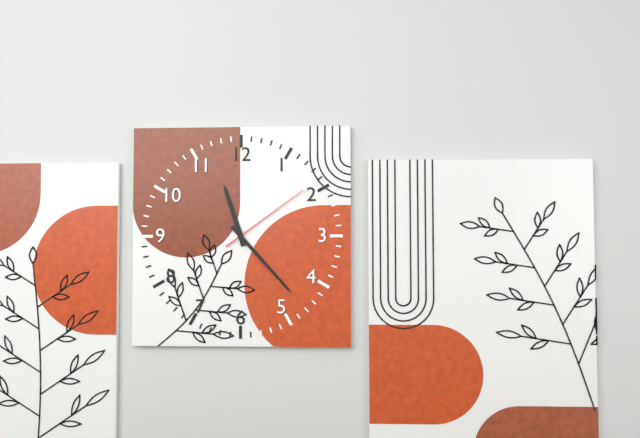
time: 11:23:09
